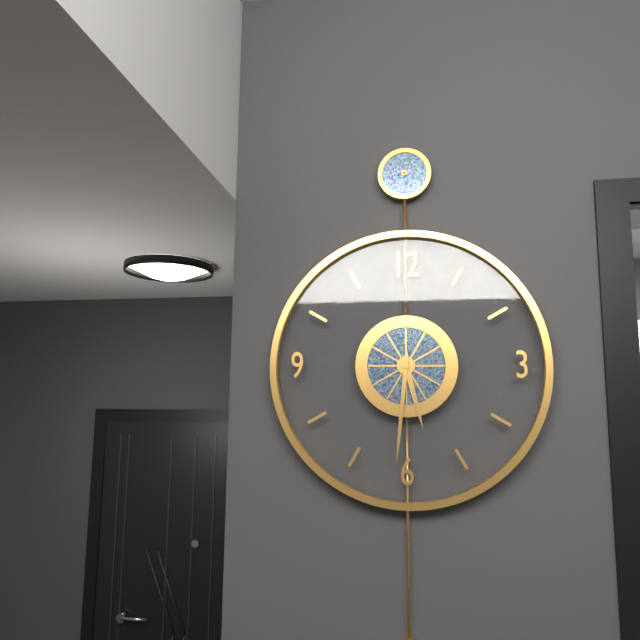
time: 5:31
